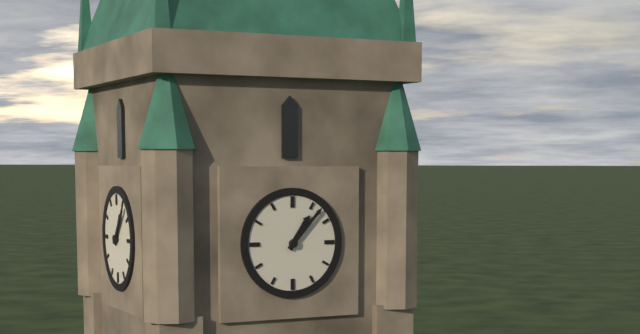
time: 1:07
